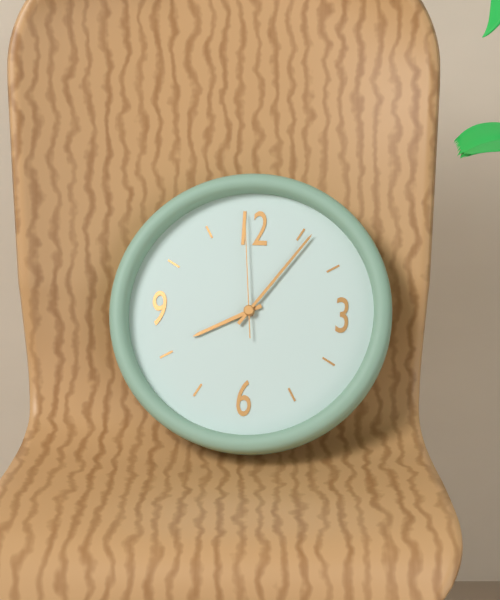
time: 8:06:59
